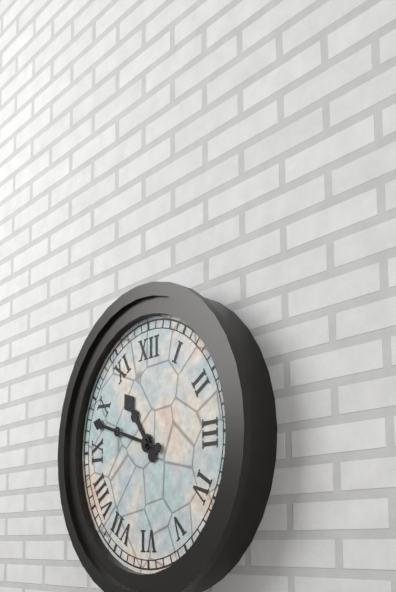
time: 10:48
